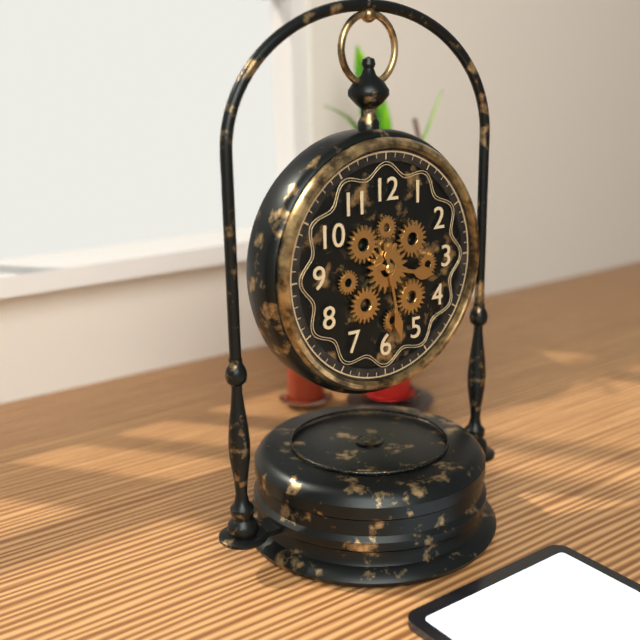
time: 3:28
